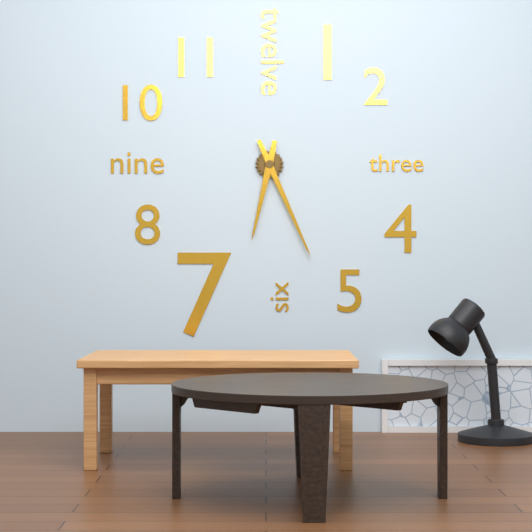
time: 6:26
